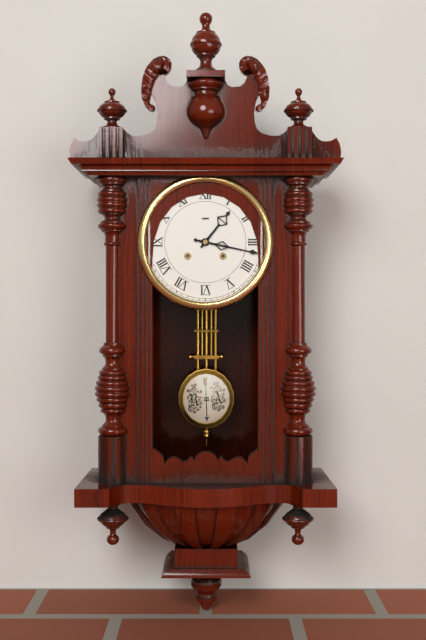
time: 1:17
